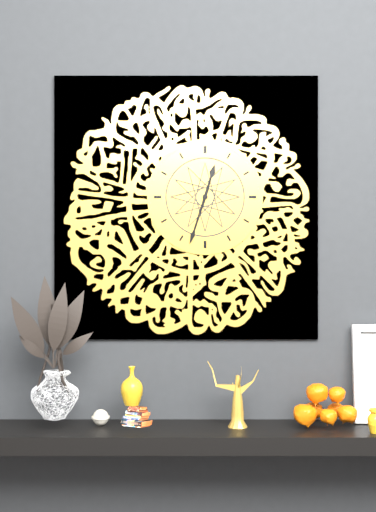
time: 12:33
